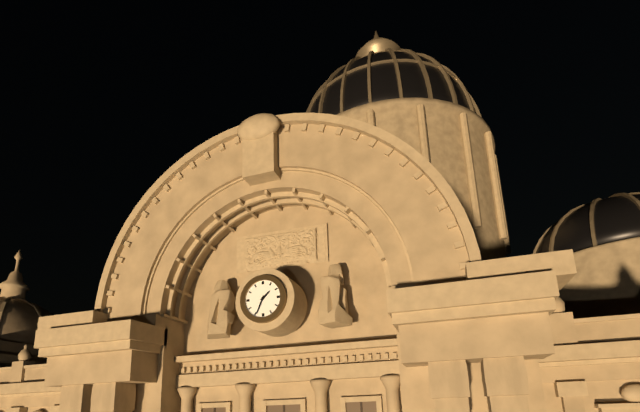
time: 1:34
